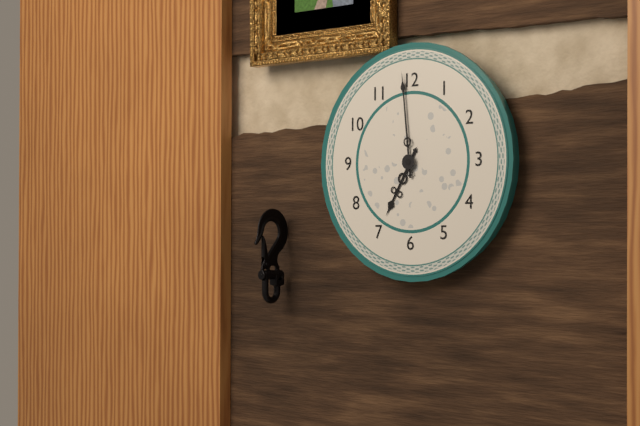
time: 6:59
